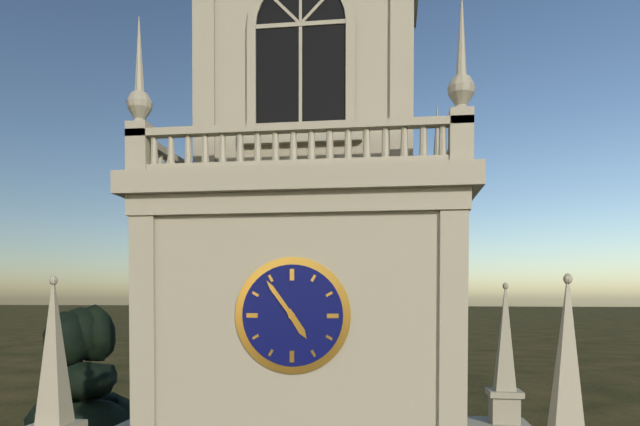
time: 4:54
